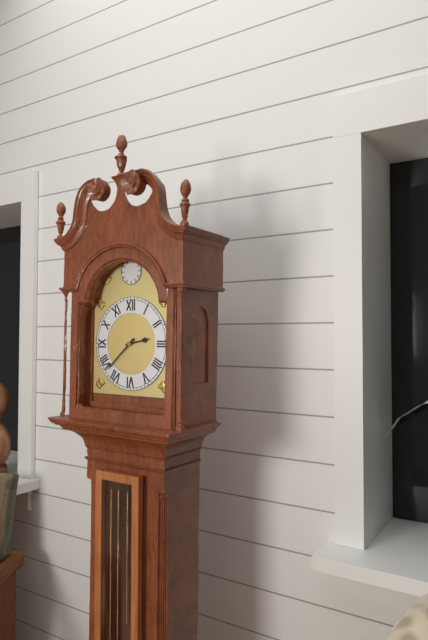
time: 2:38
